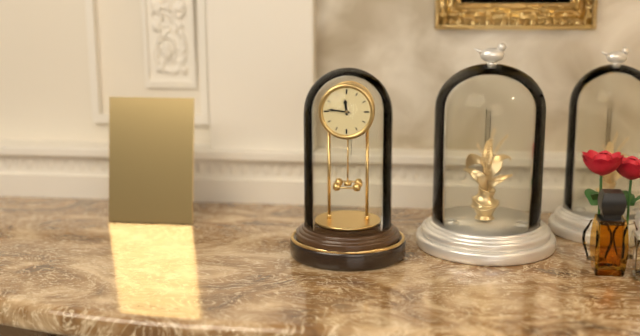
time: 11:46
